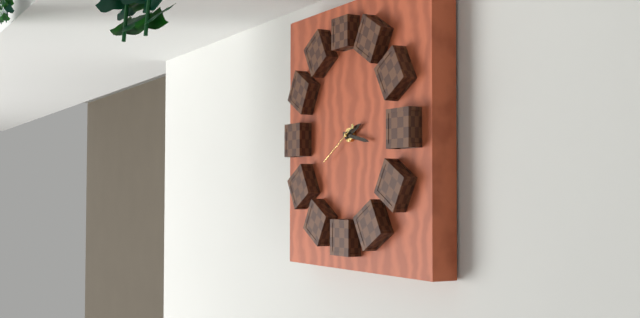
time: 2:17
